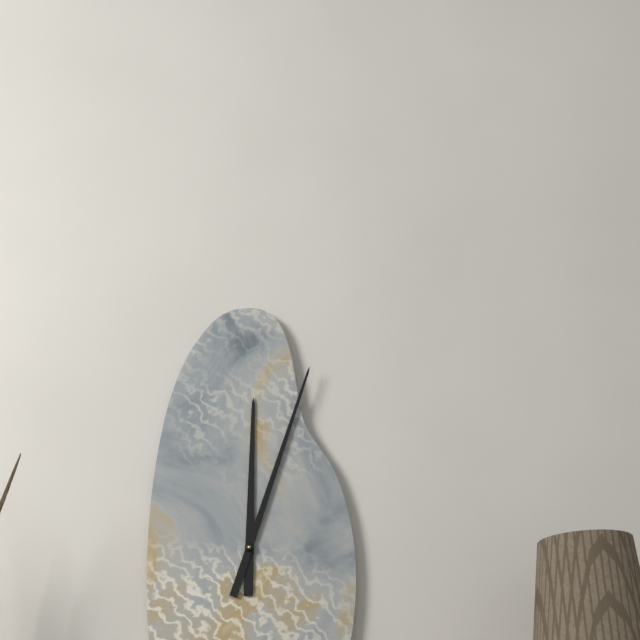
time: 12:03
